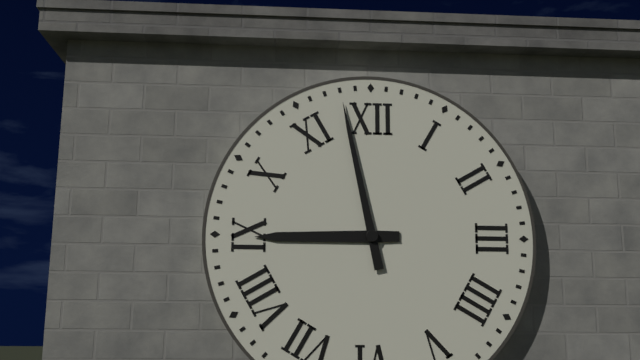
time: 8:58
